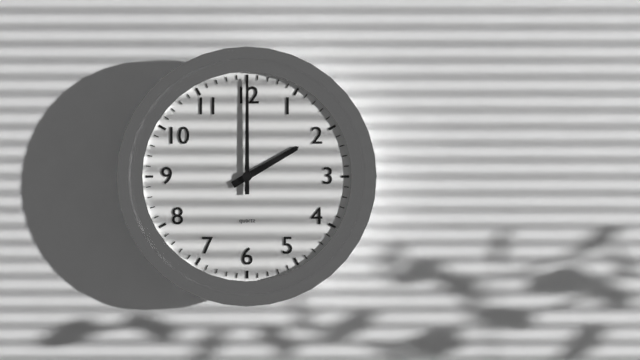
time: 2:00
